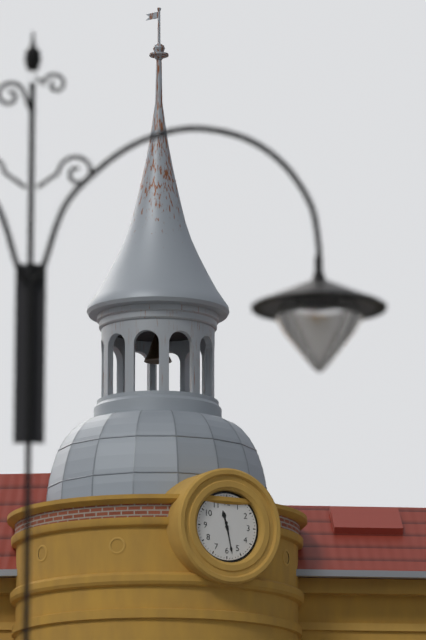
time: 11:28
